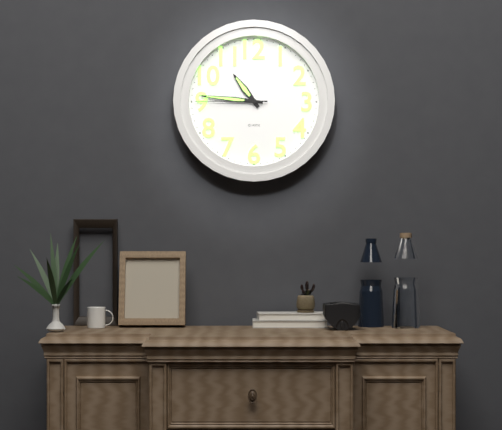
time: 10:46:45
